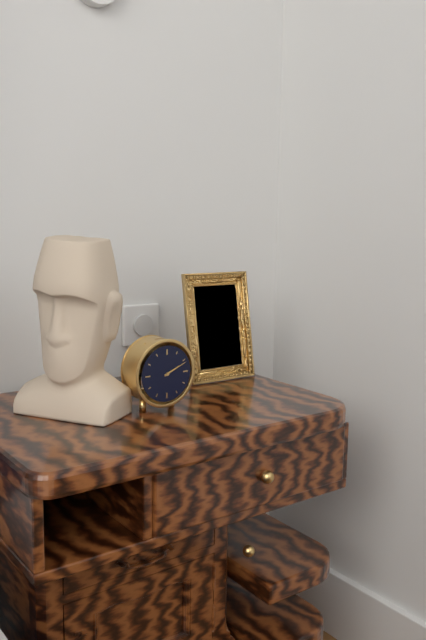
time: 2:11
